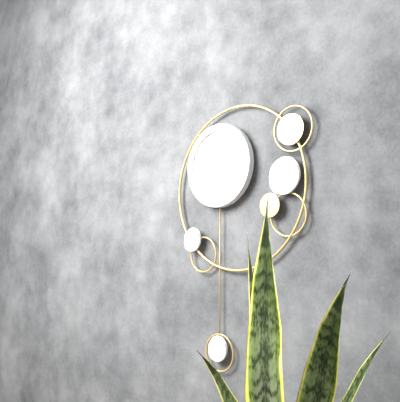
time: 1:41
